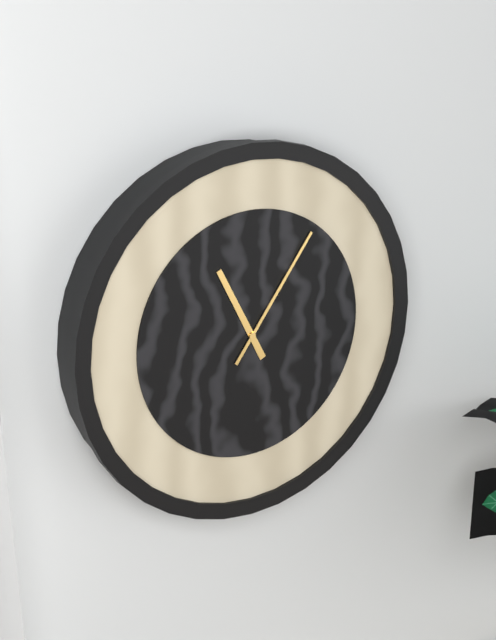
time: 11:06
